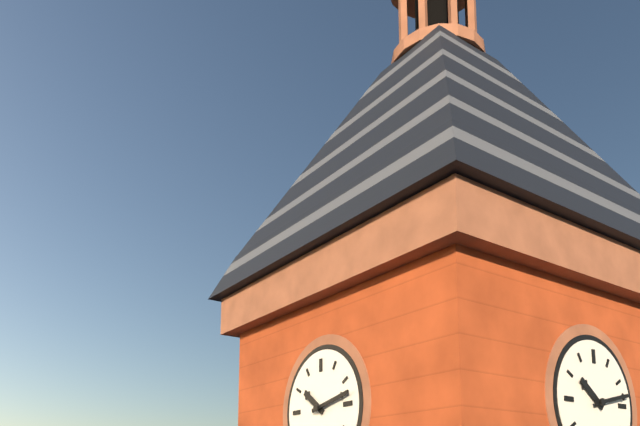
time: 10:13
